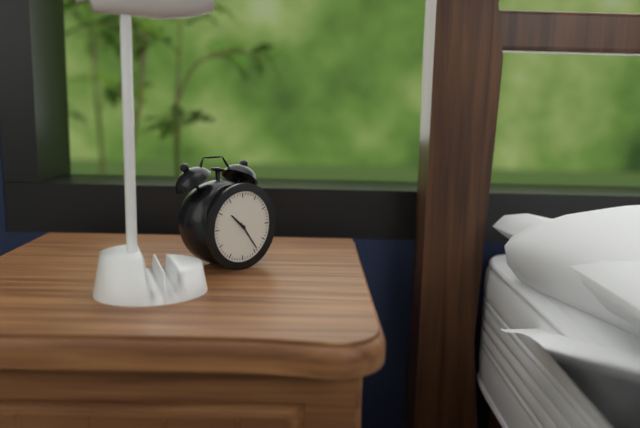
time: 10:24
